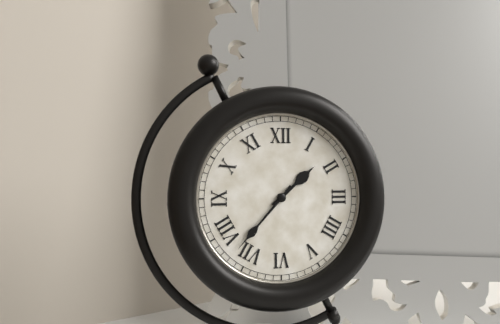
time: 1:37
